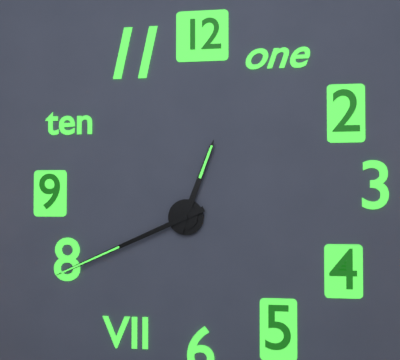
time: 12:41
